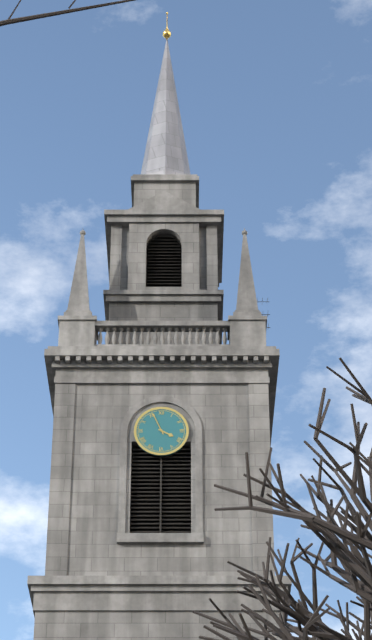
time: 3:56
